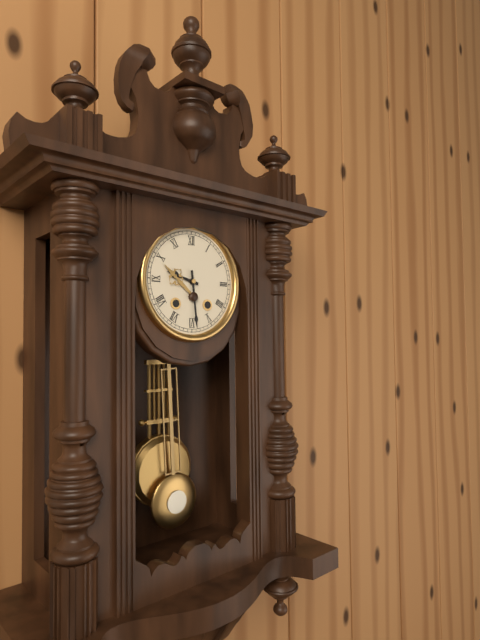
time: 9:29
